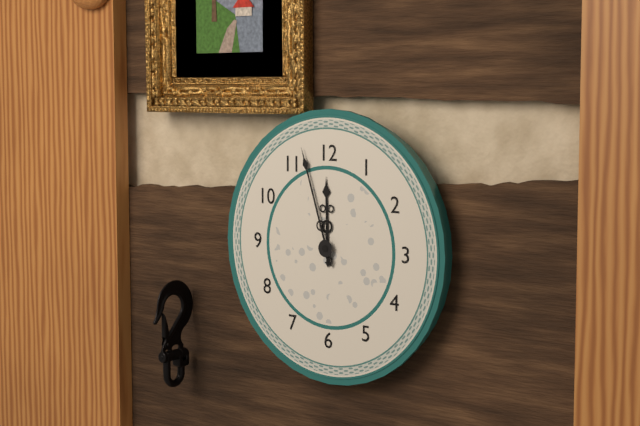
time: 11:57
